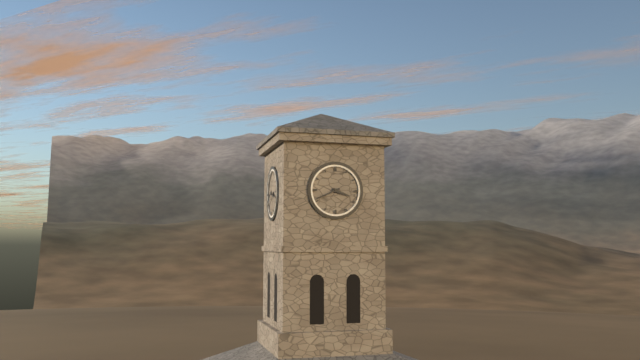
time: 3:41
